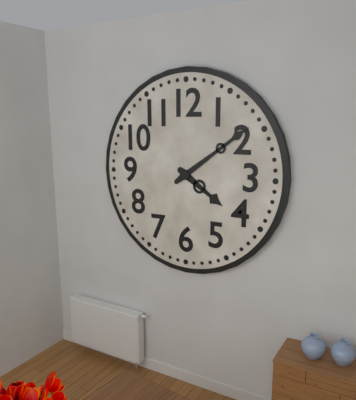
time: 4:09
